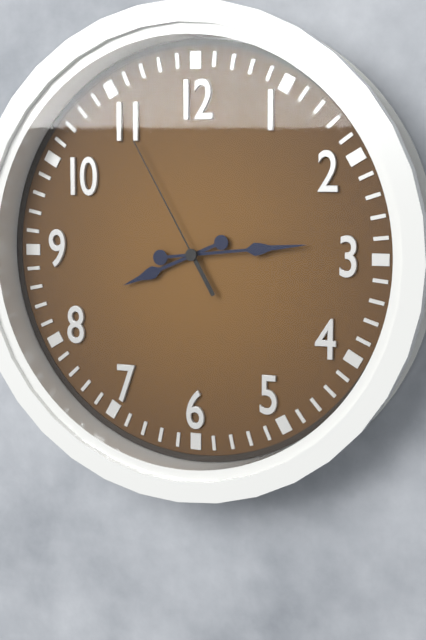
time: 8:14:55
